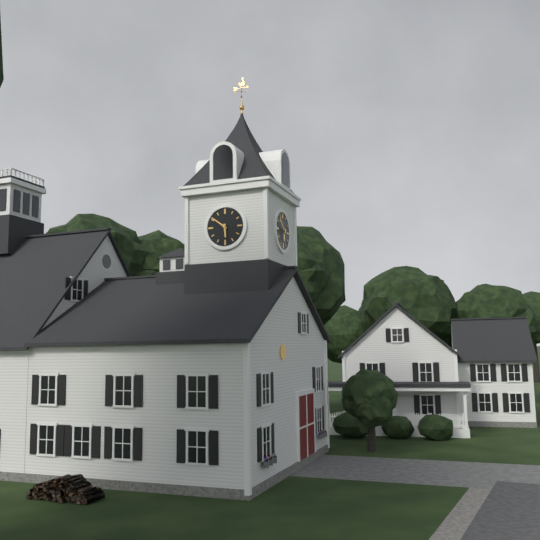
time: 5:51
